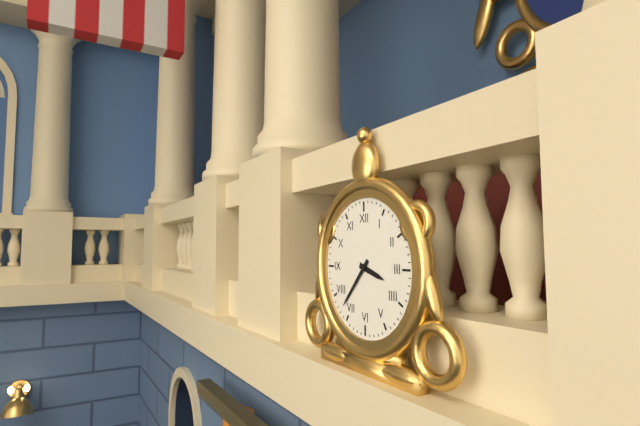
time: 3:37
